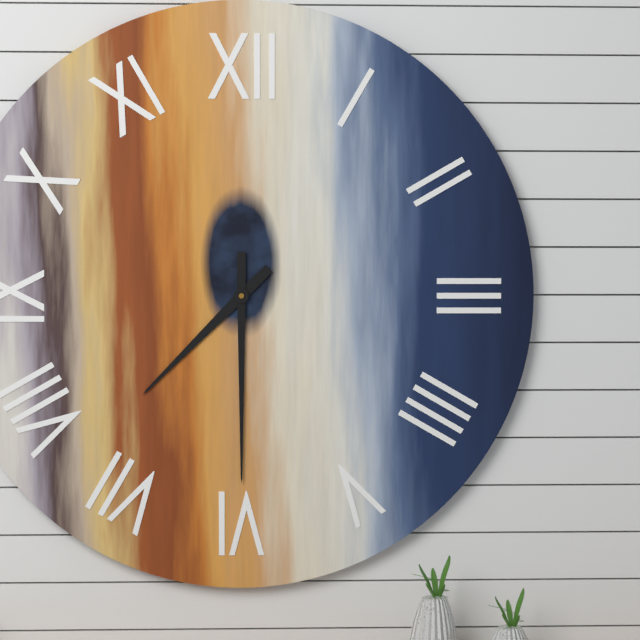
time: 7:30
